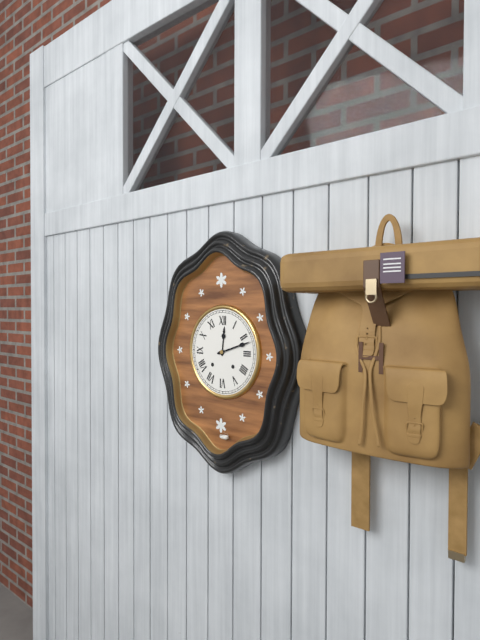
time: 12:12
